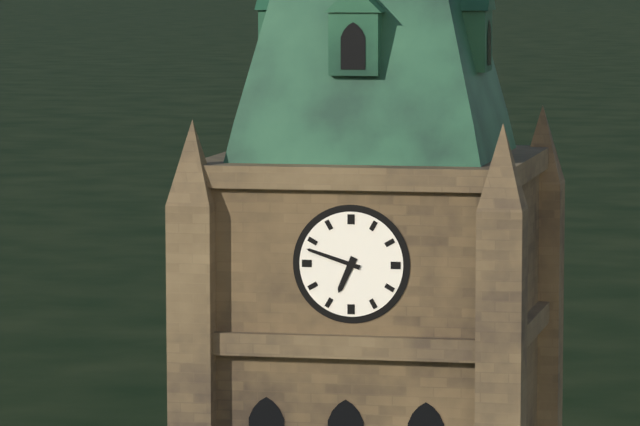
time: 6:48
